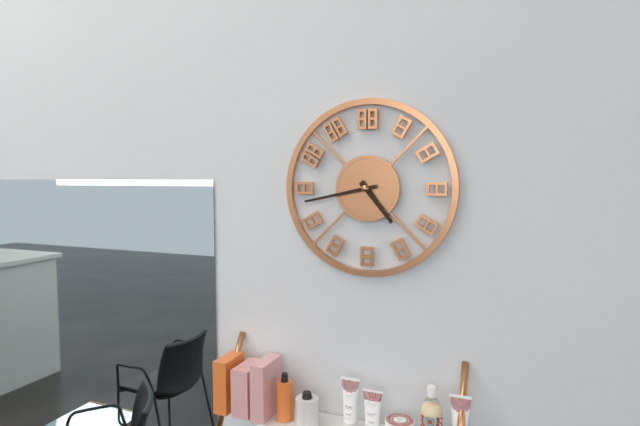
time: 4:43
